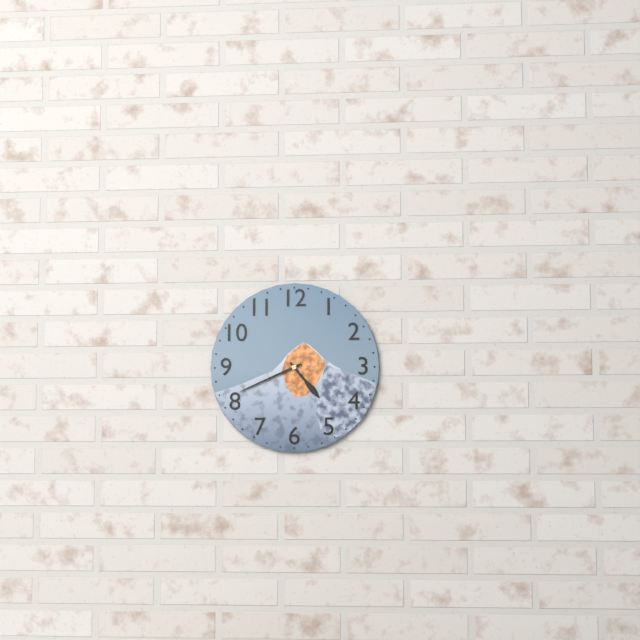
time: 4:41
